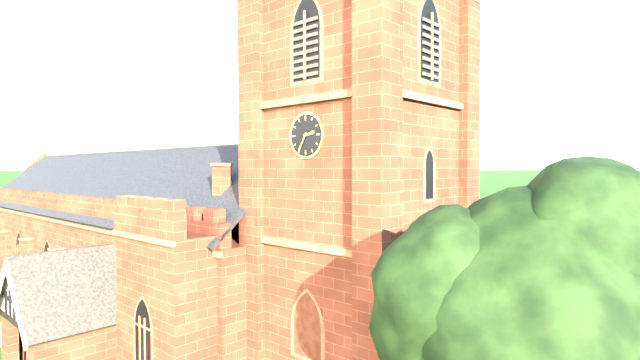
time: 2:35
